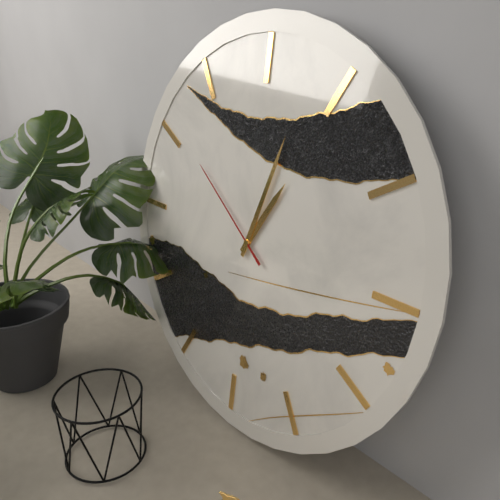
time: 1:03:51
